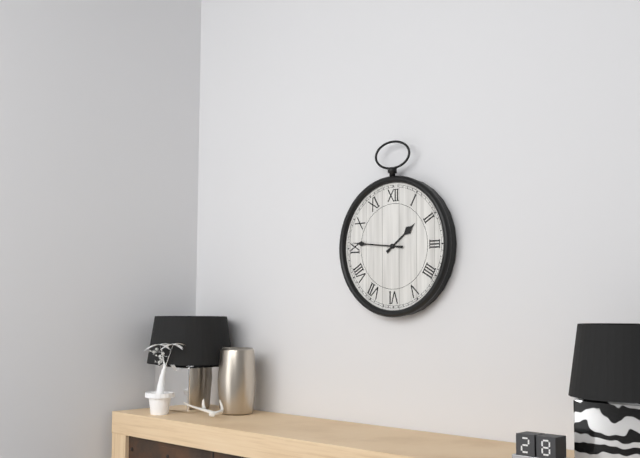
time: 1:46
